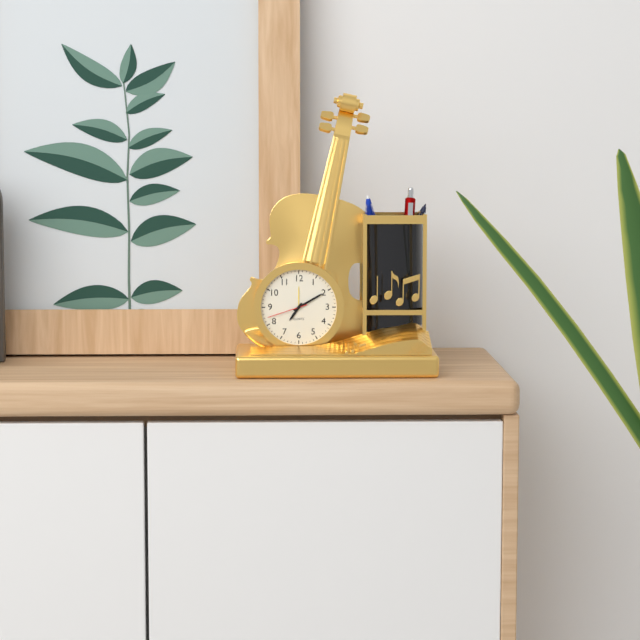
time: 7:10
